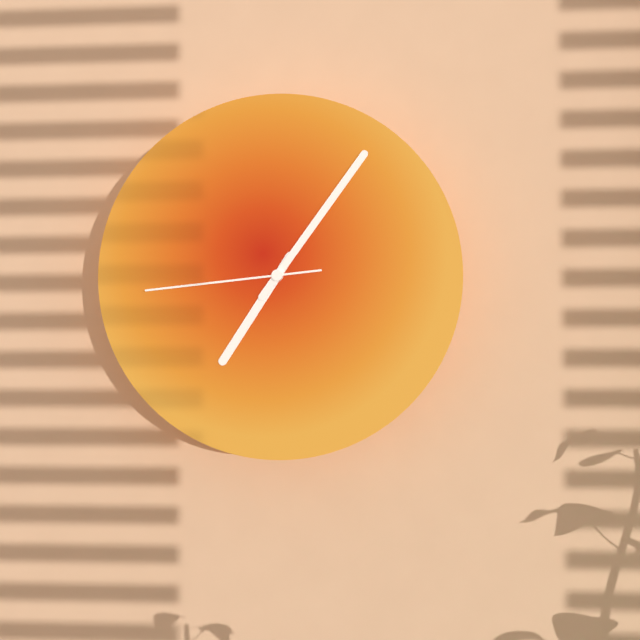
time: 7:06:44
